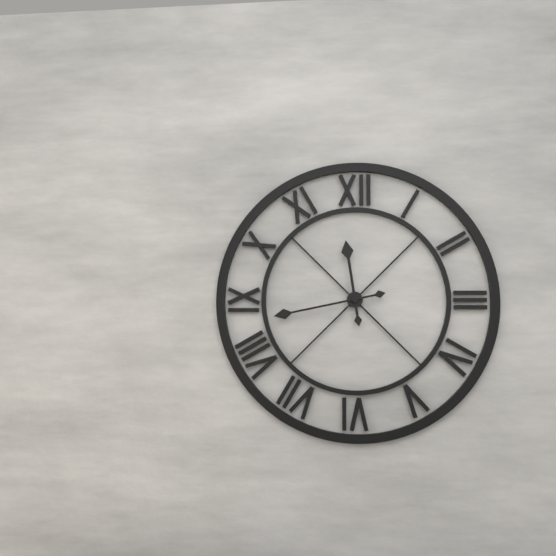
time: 11:43
